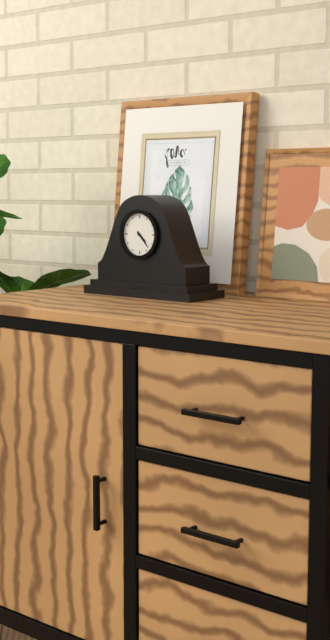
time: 4:23
